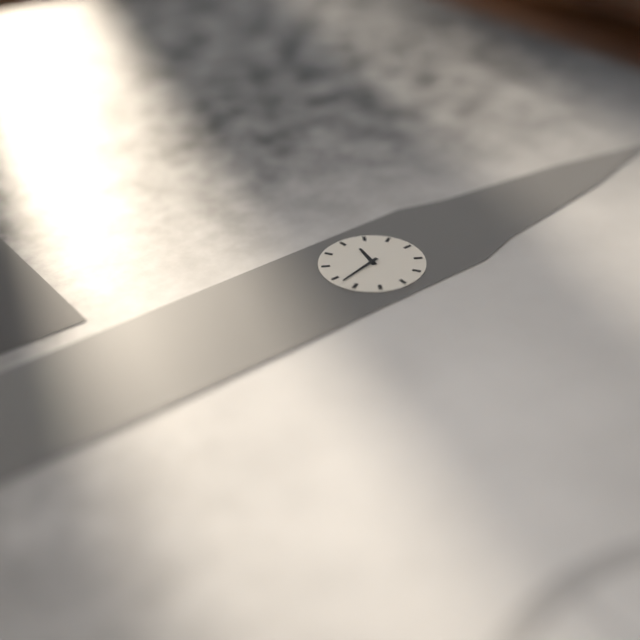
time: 9:28
